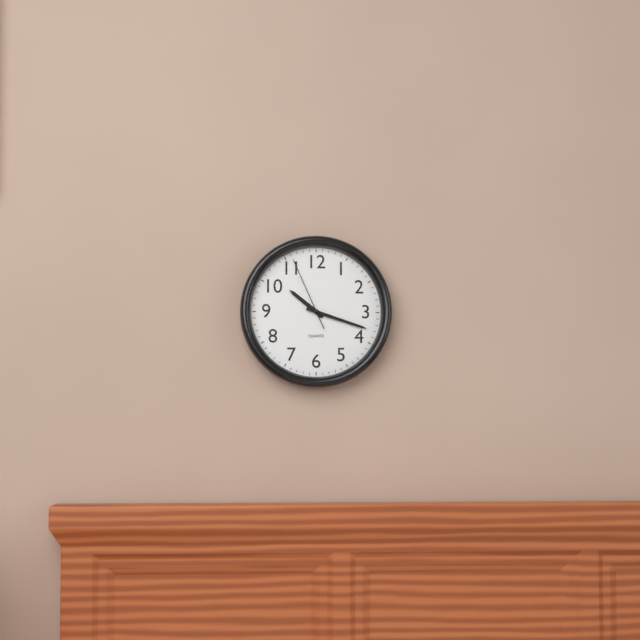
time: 10:18:56
